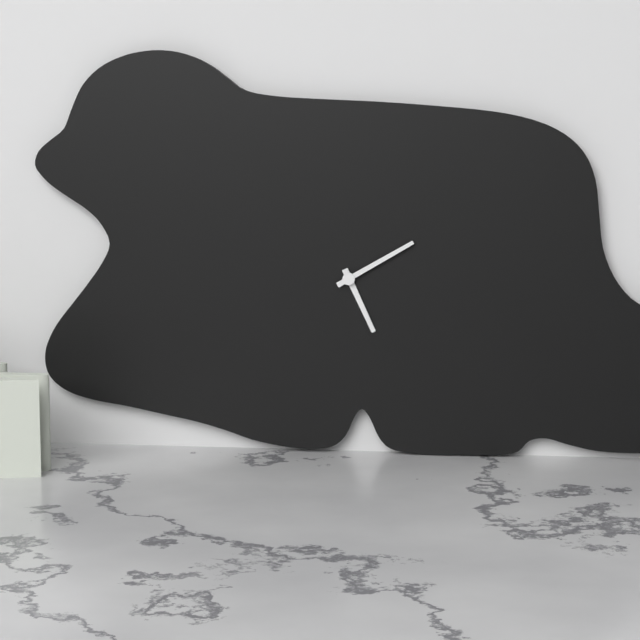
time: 5:10
